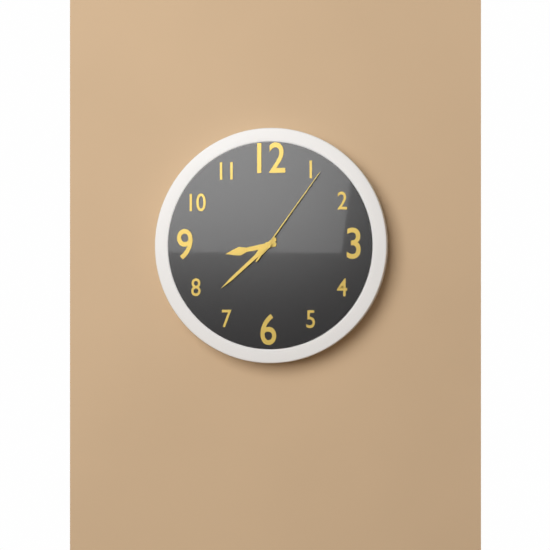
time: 8:38:06
